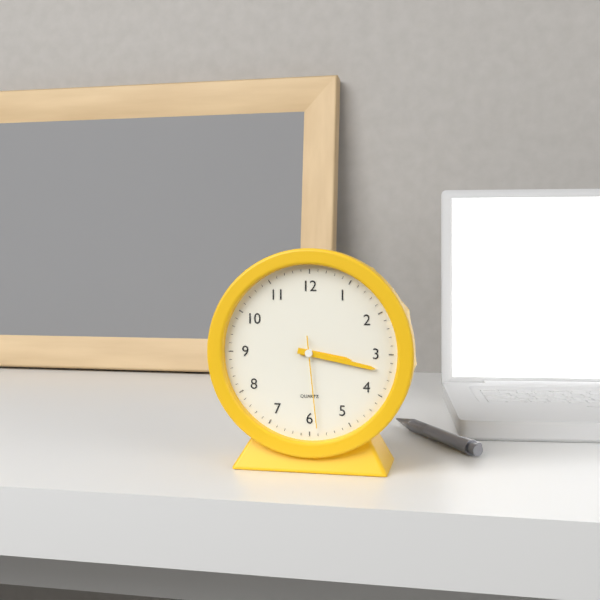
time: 3:17:29
